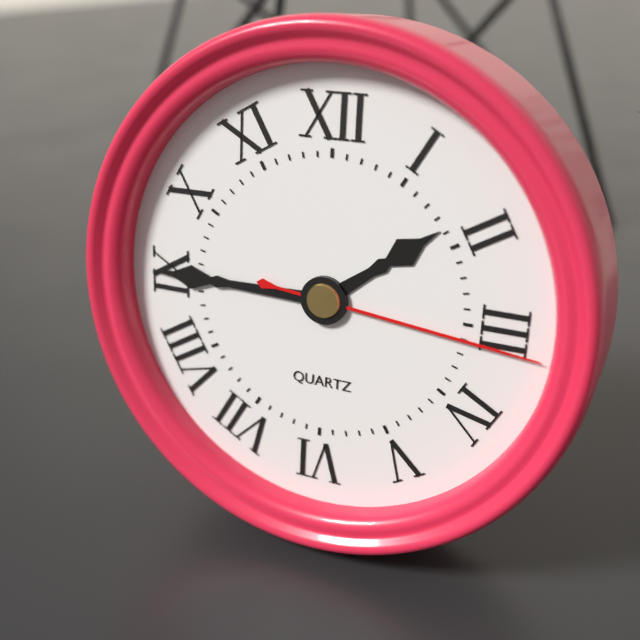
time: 1:45:16
